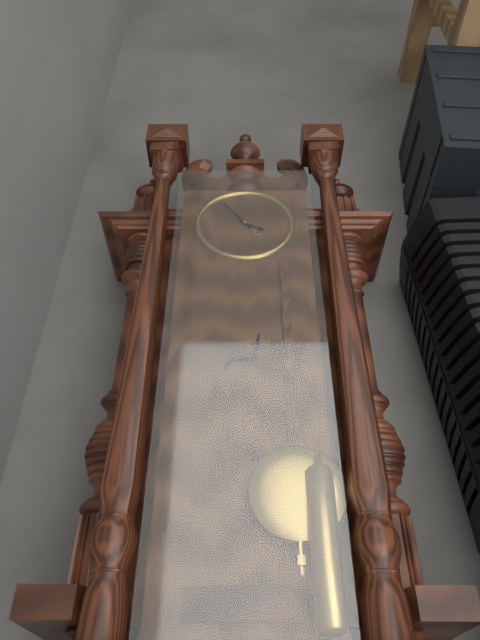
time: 3:54
